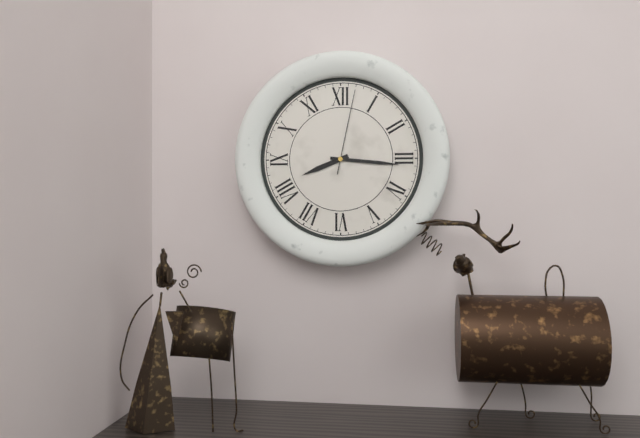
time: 8:16:02
